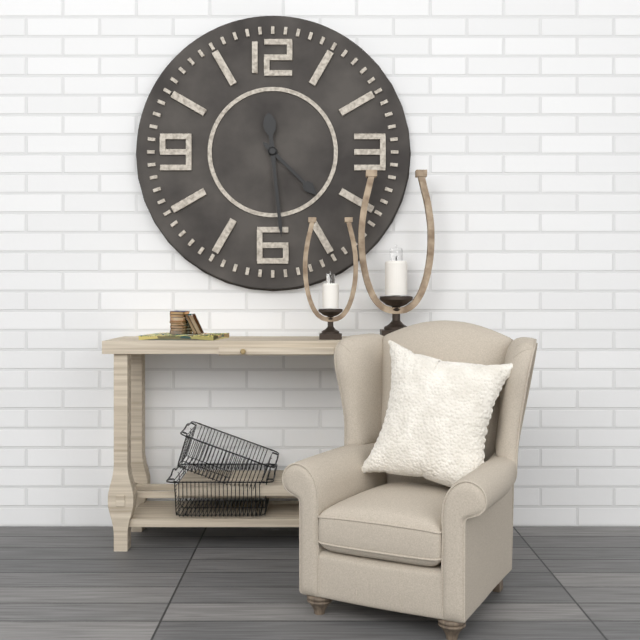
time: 4:29
